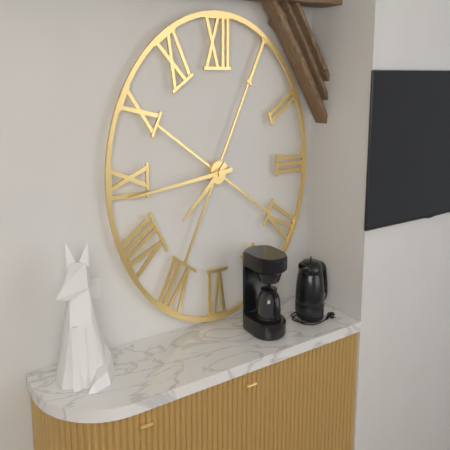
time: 7:44
